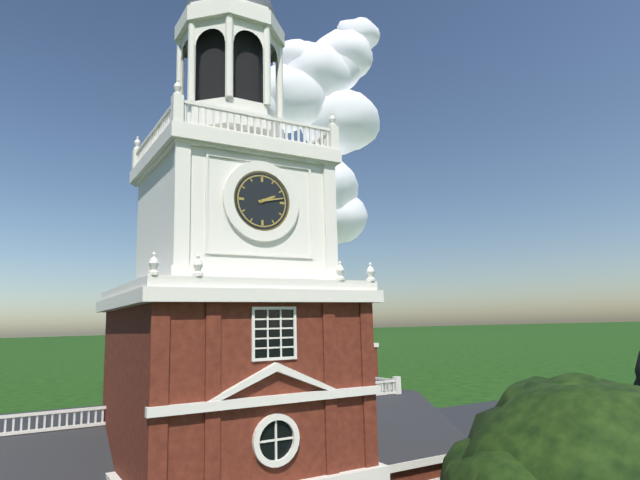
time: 2:13
